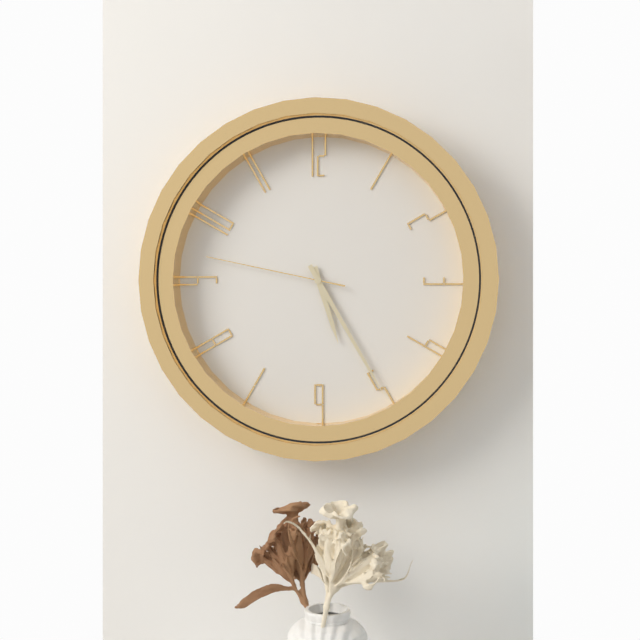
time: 5:25:47
